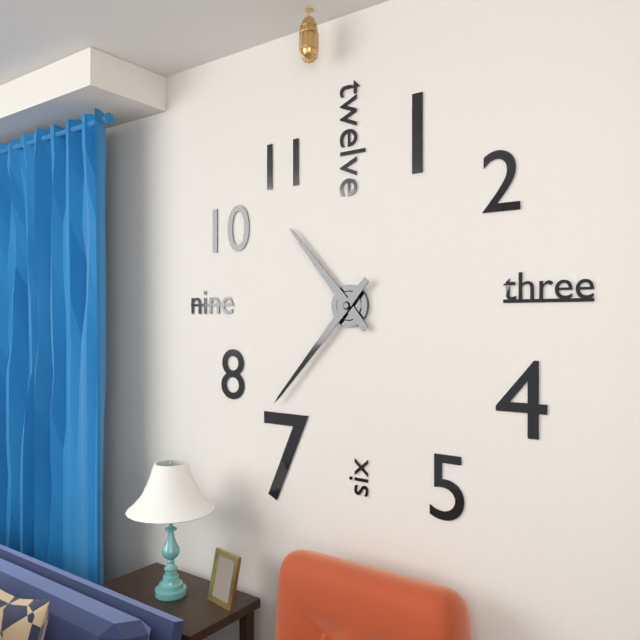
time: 10:37
